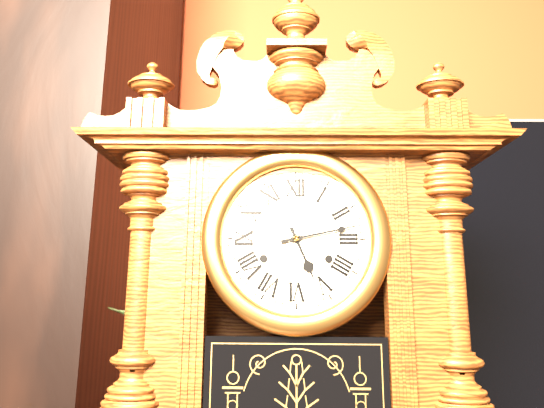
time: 5:13
